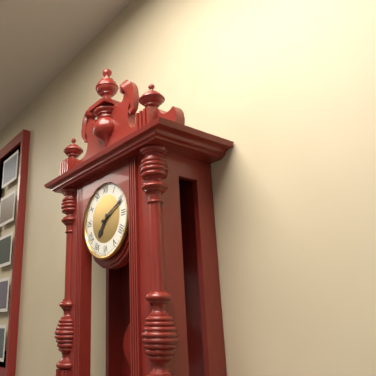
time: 7:11
